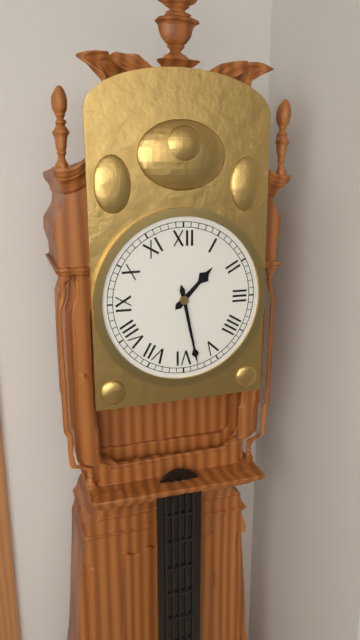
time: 1:28
